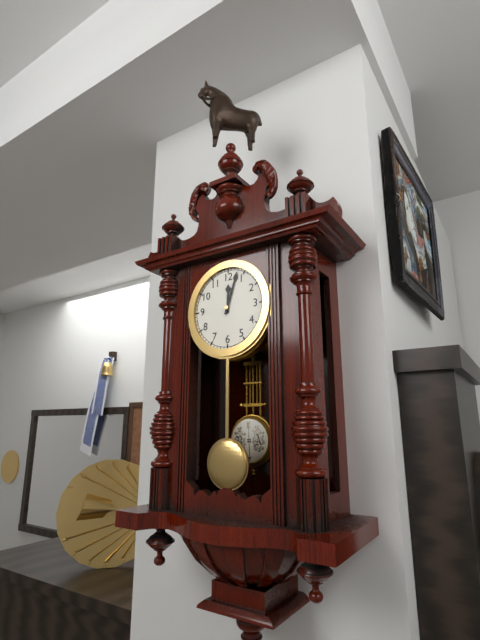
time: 12:03
